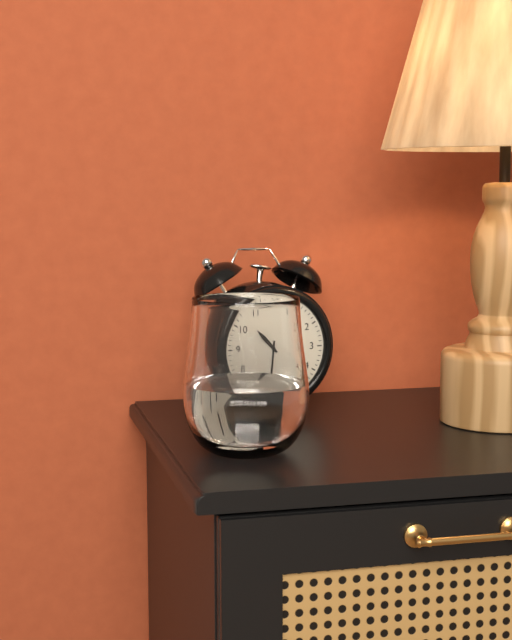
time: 10:31
